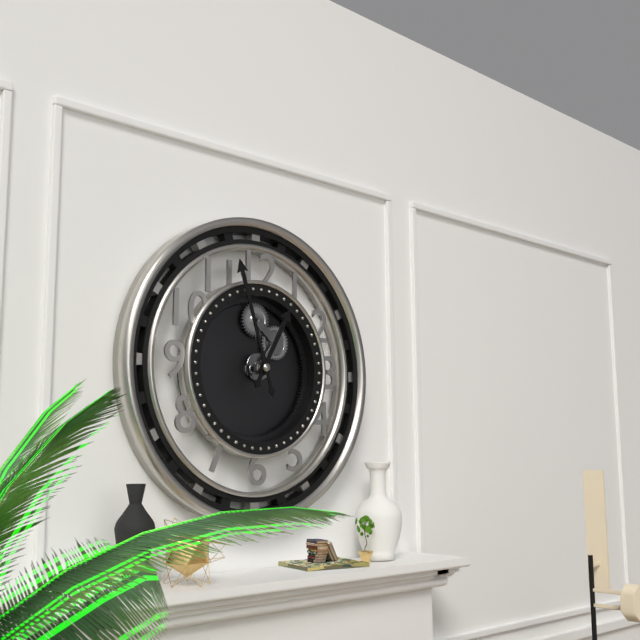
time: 12:57
